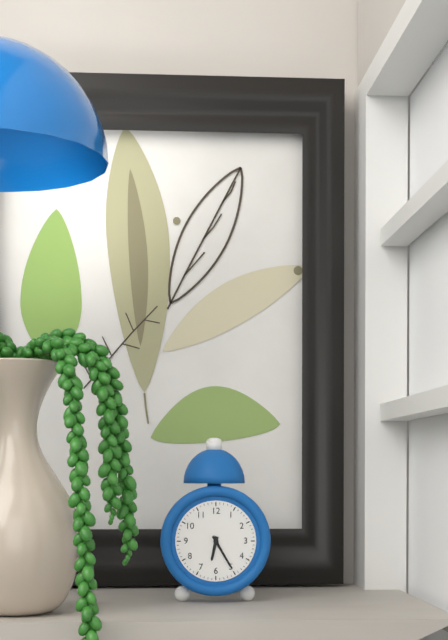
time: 6:25
